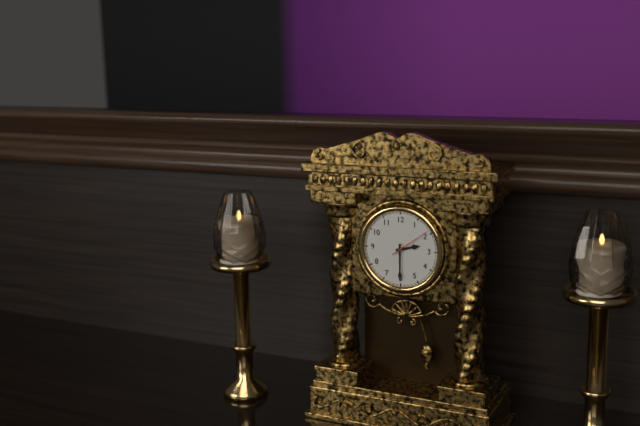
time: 2:30
